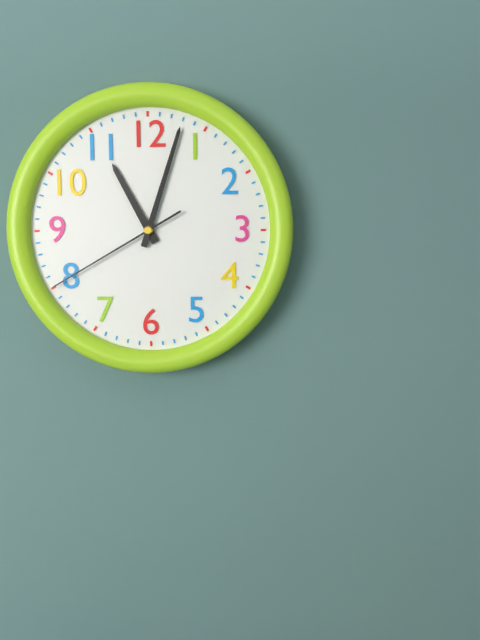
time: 11:03:40
